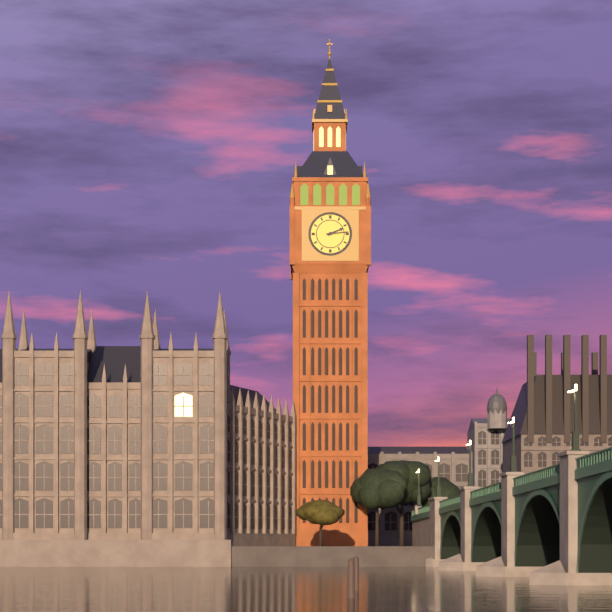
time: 2:14
